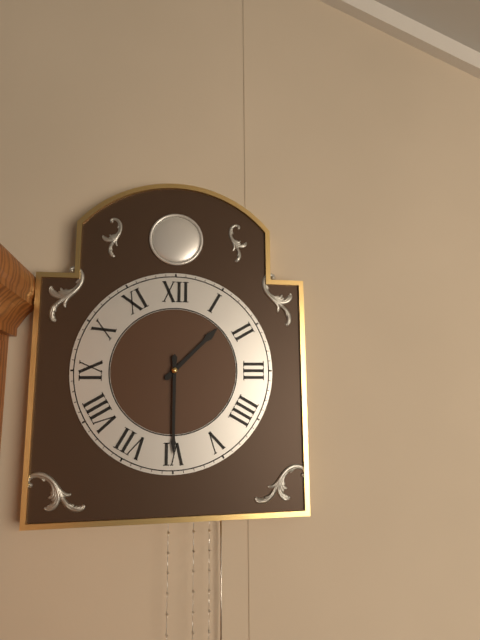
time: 1:30
